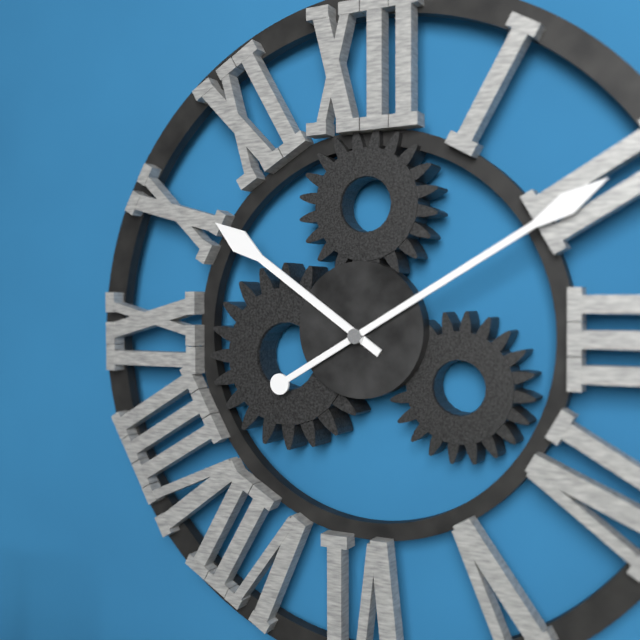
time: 10:10
